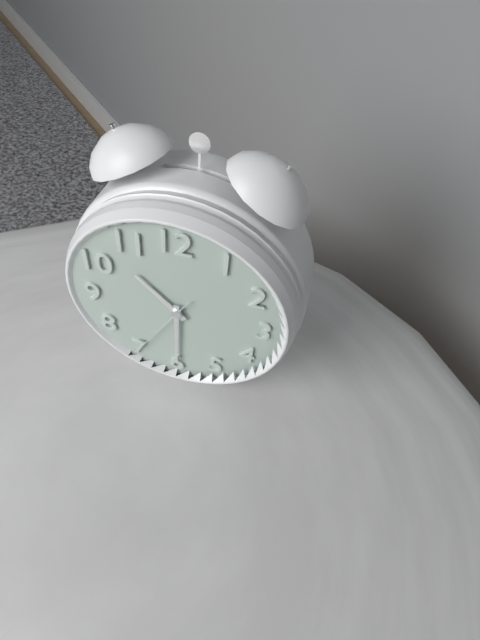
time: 10:30:35
